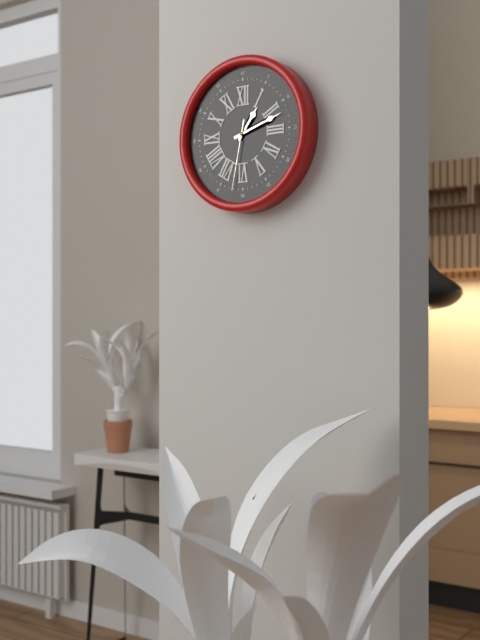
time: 1:12:32
